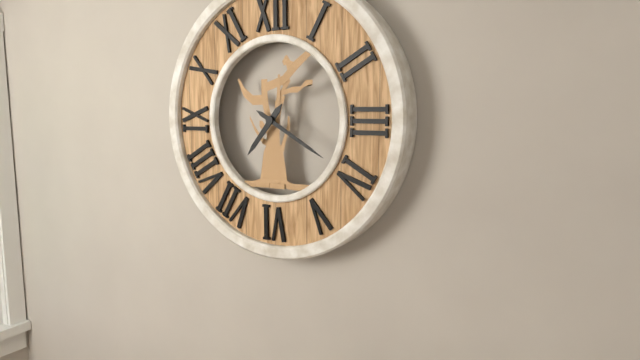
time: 7:20
